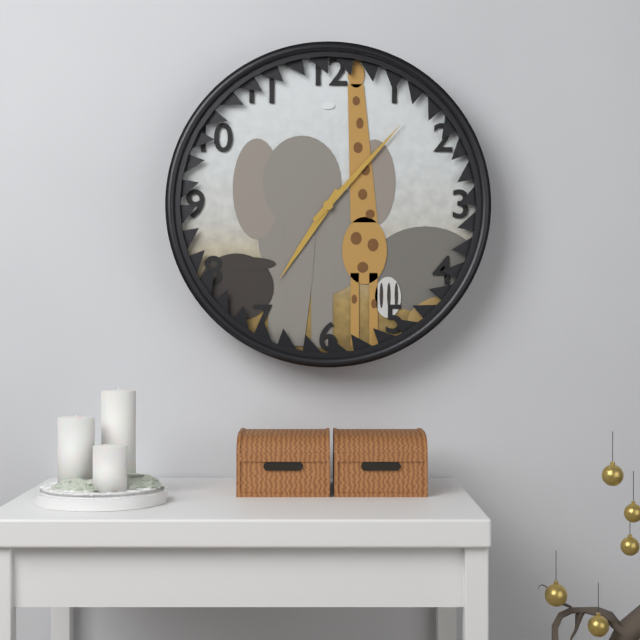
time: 7:07
